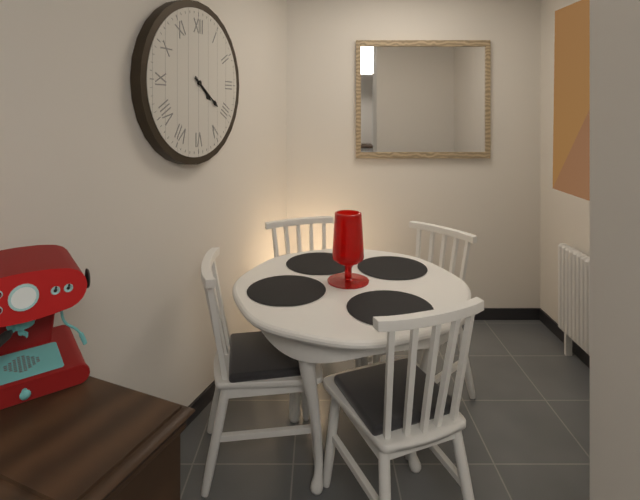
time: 4:21
